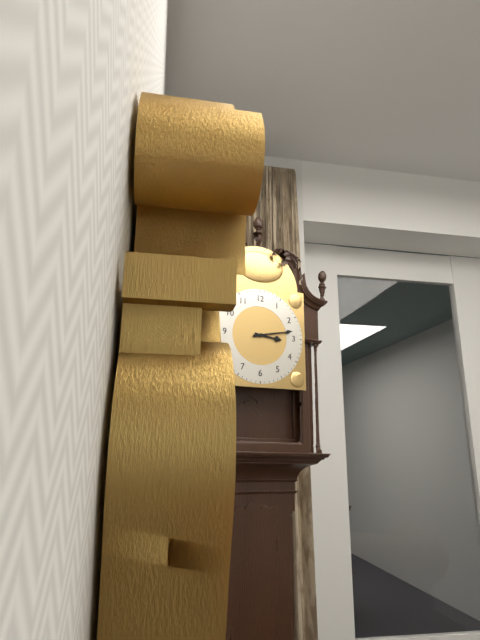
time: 3:13
